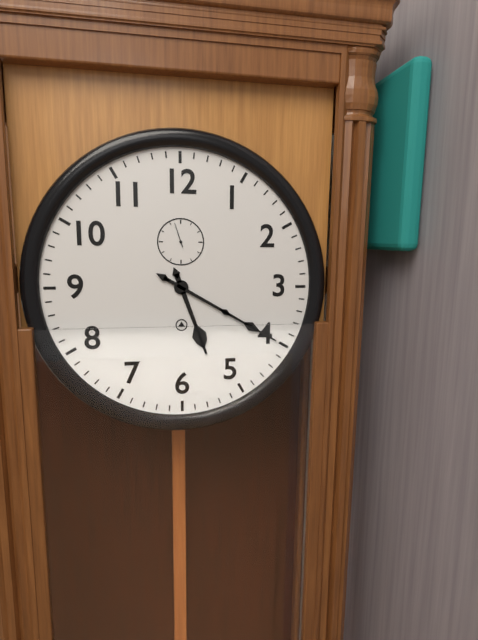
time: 5:20
